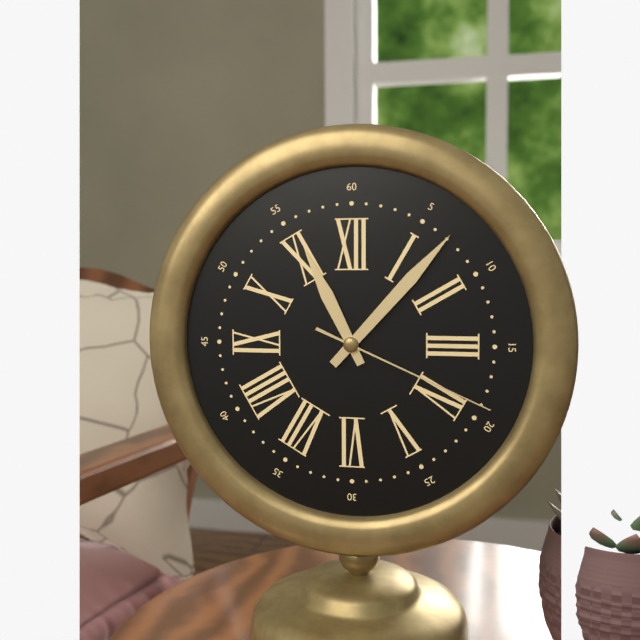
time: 11:07:19
